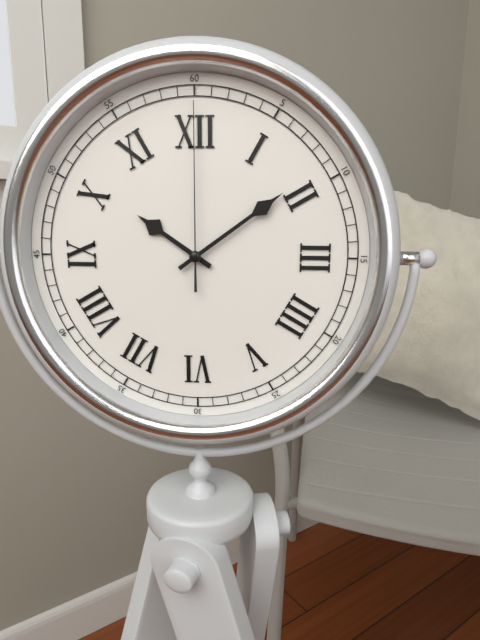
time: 10:09:00
